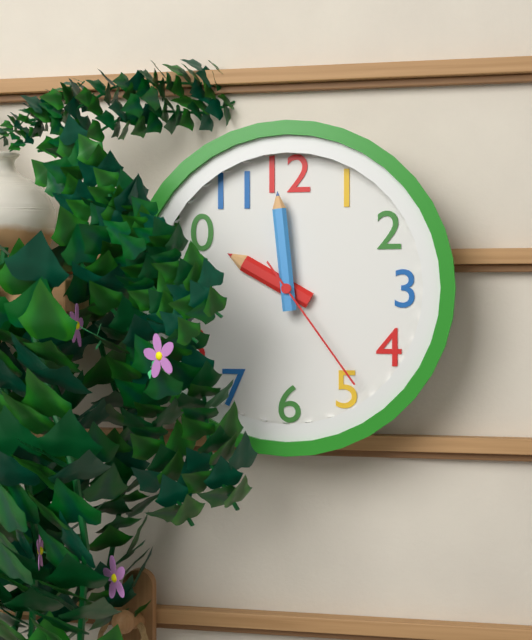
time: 9:59:24
